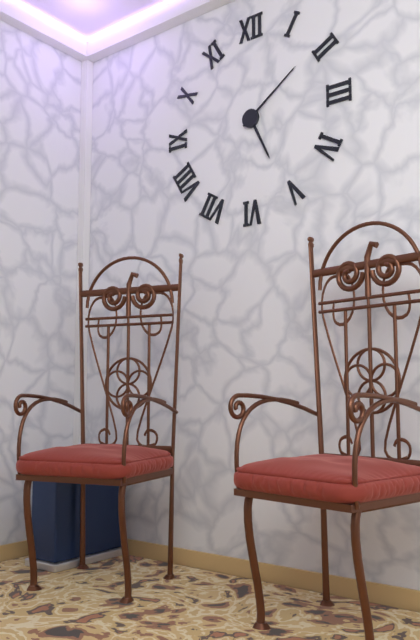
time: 5:09
